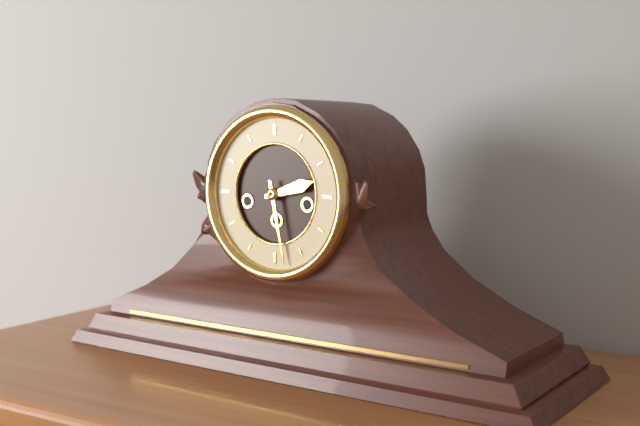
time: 2:28
